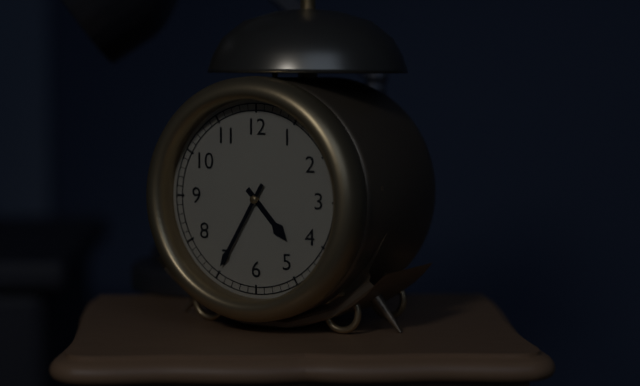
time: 4:35
